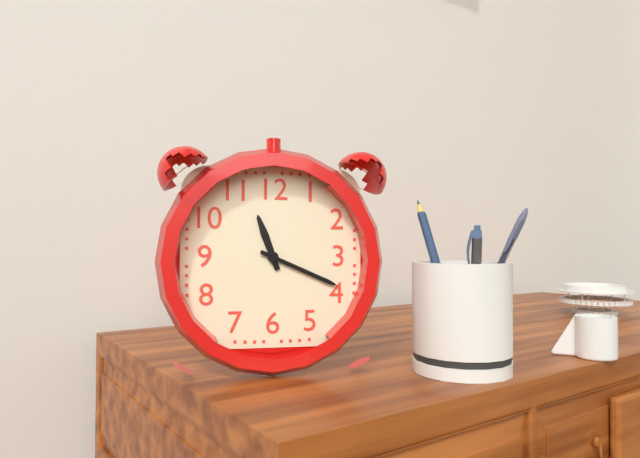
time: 11:19
